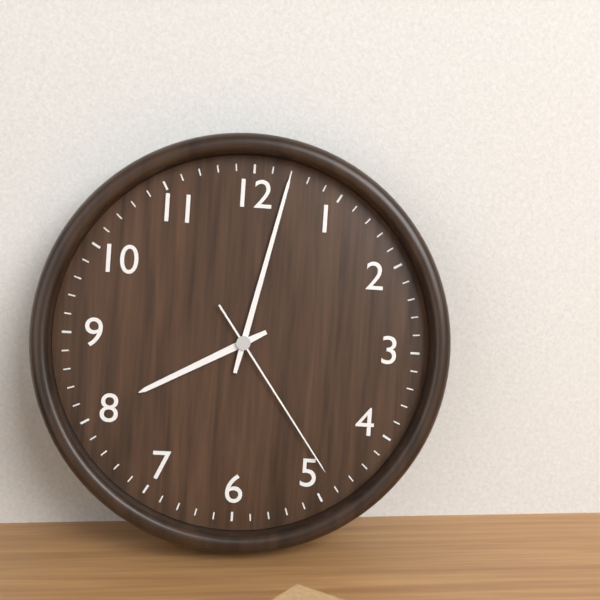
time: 8:02:24
